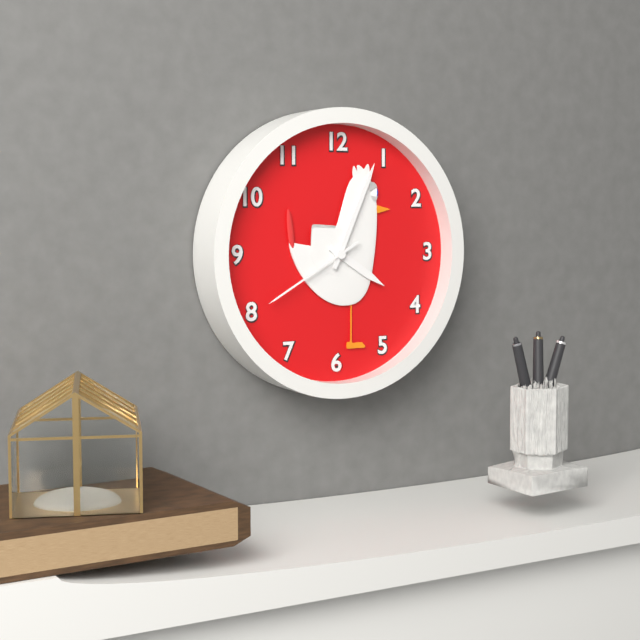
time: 4:04:40
